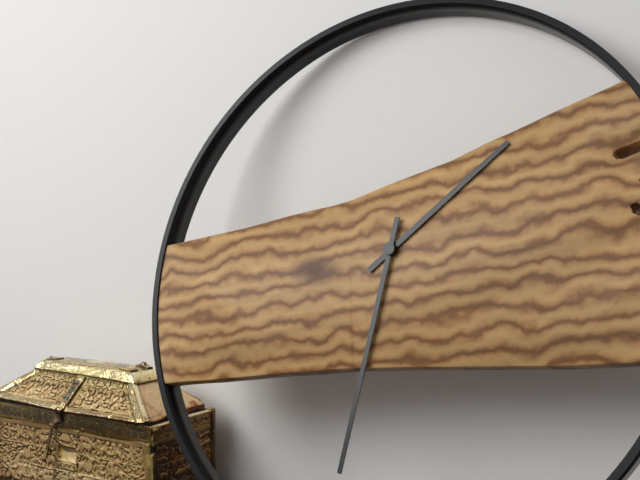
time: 1:31
